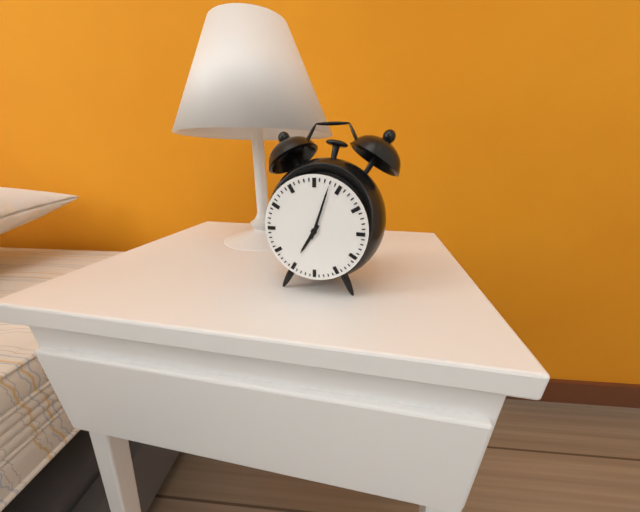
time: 7:03
